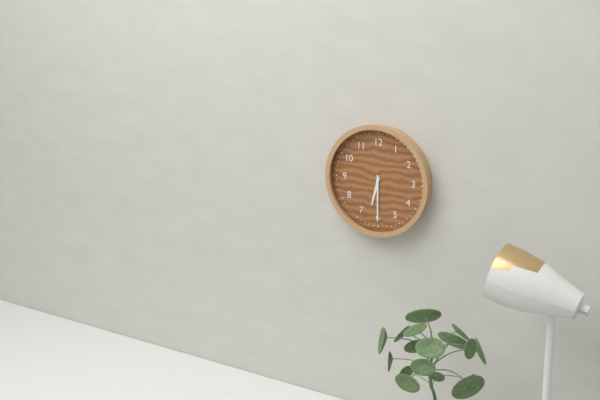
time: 6:30
